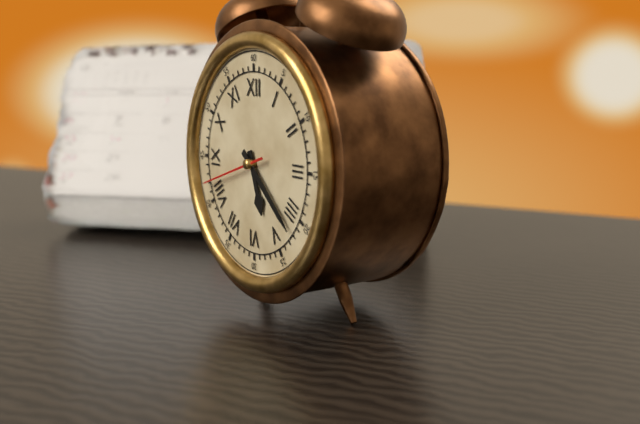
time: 5:22:42
